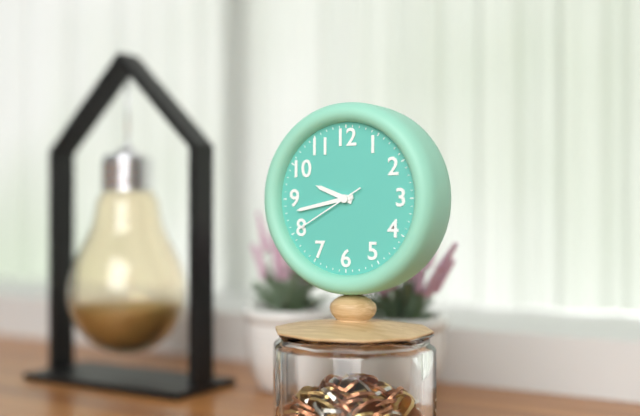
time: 9:43:40
